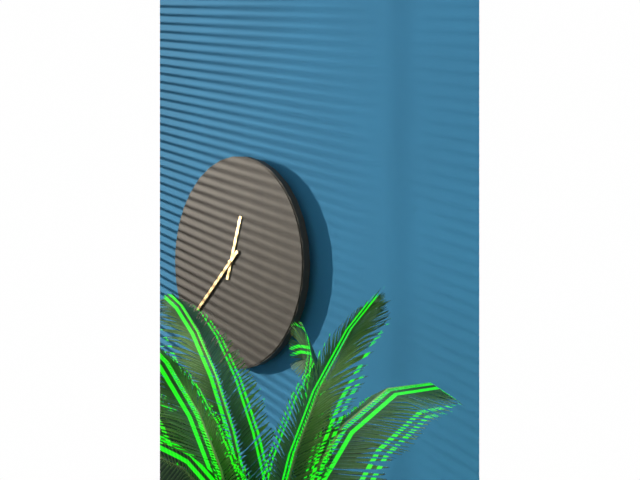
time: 12:38
